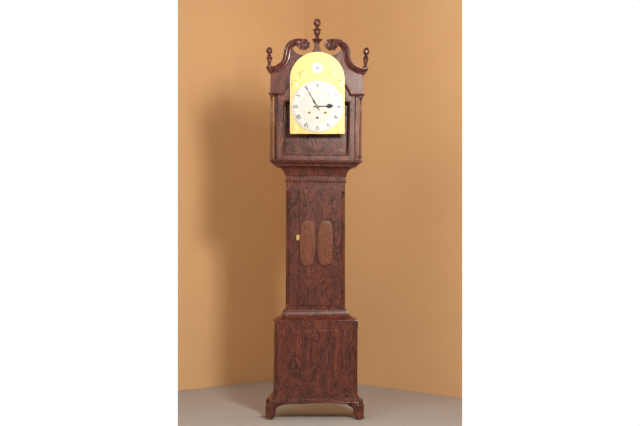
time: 2:55
